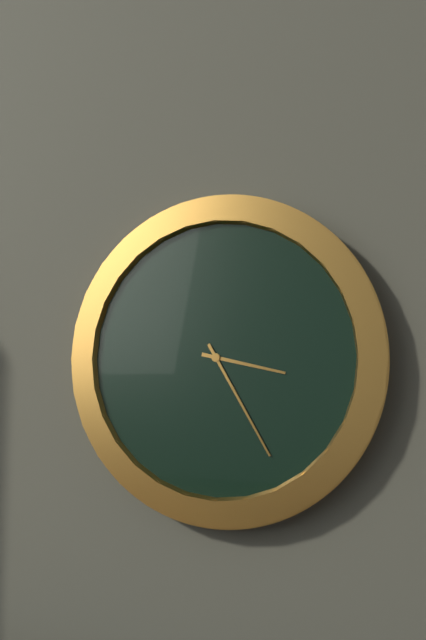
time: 3:25
